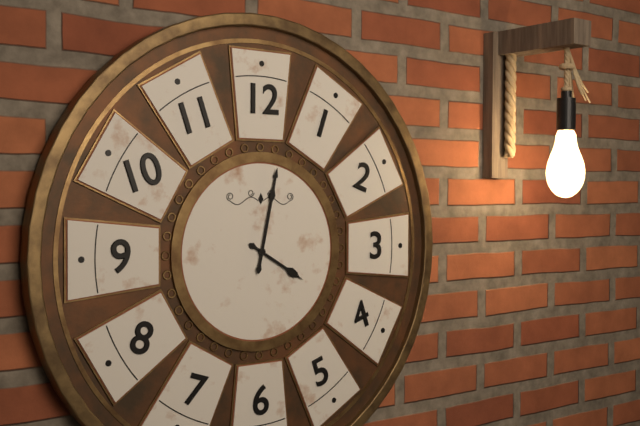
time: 4:02
